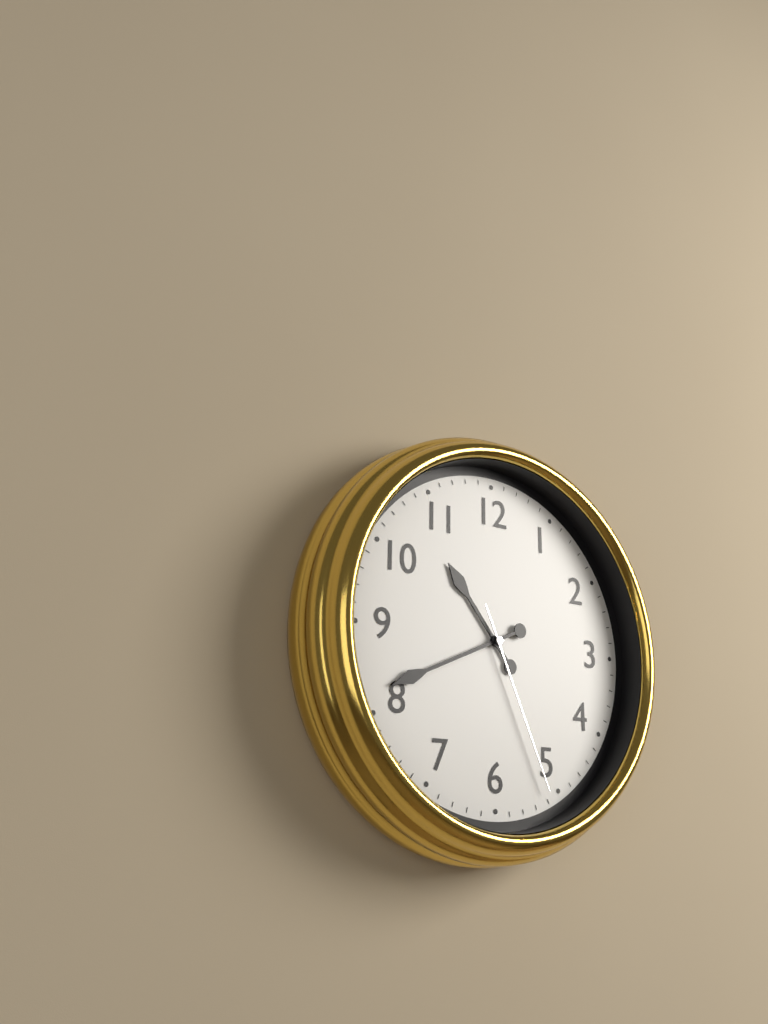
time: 10:41:26
